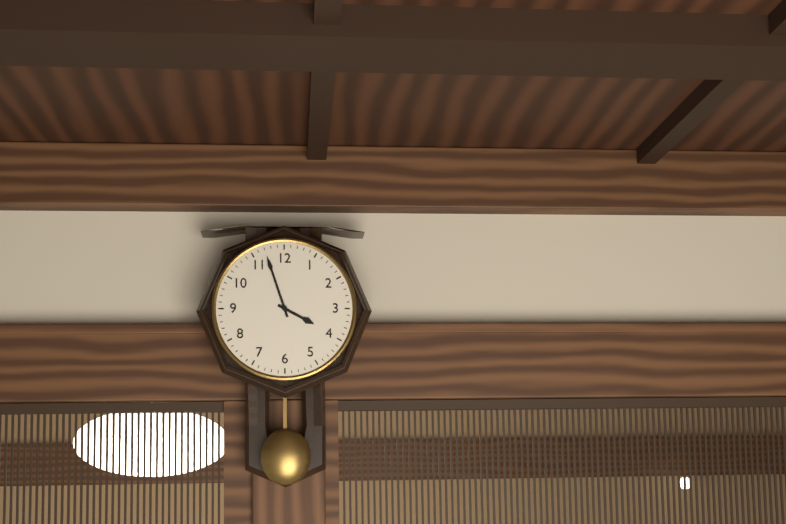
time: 3:57
